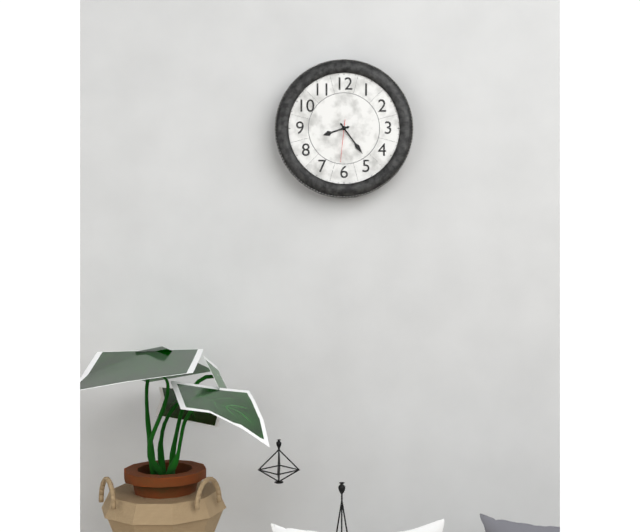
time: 8:24
